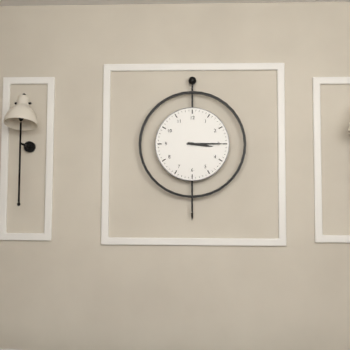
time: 3:15
